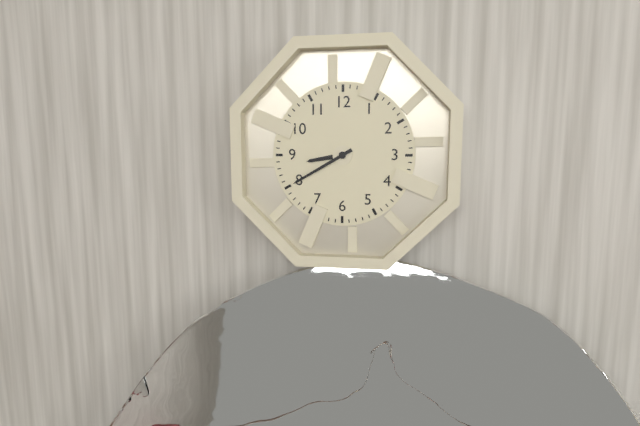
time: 8:40
